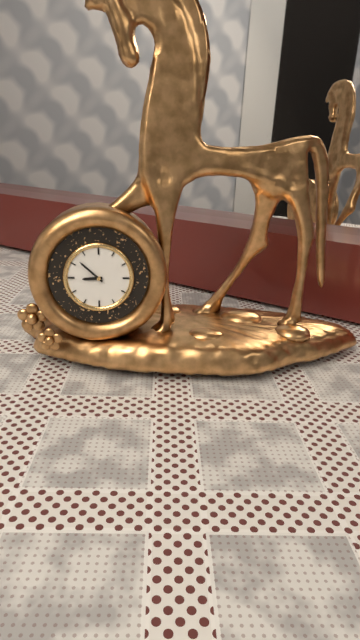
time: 8:52
